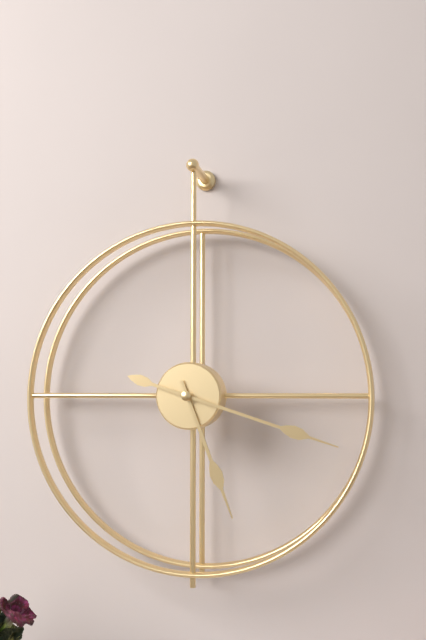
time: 5:18
